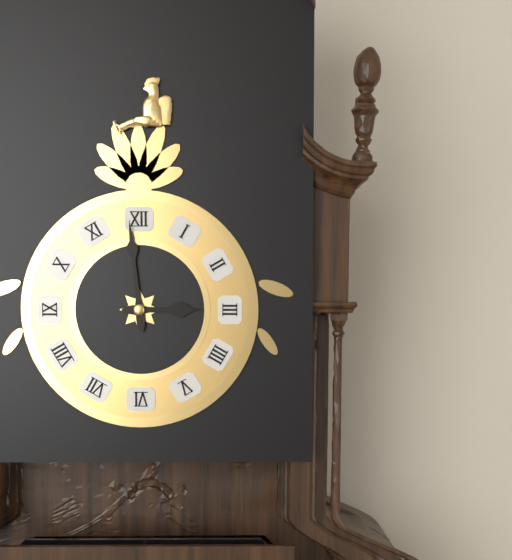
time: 2:59
